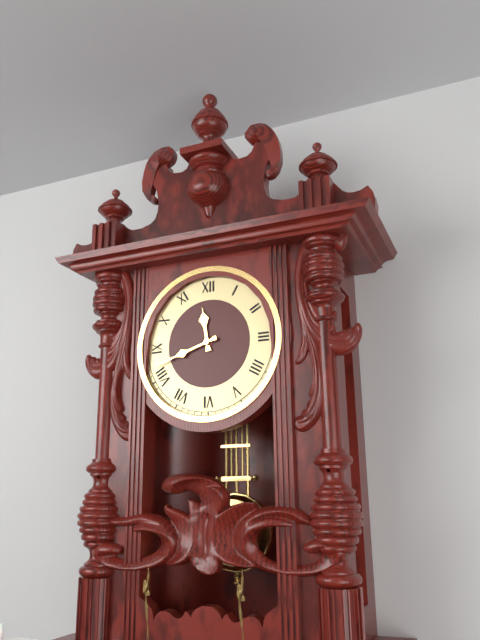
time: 11:42
